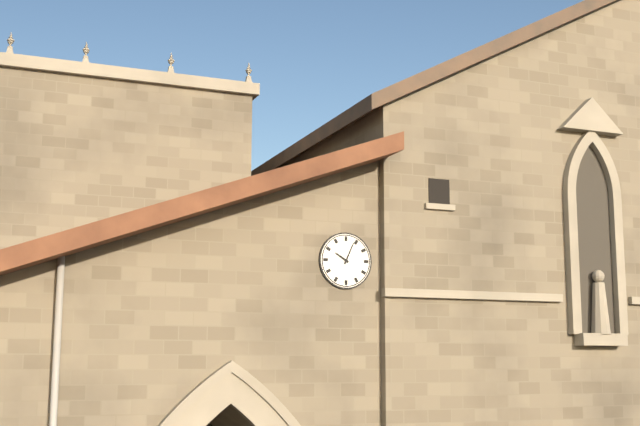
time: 10:04
